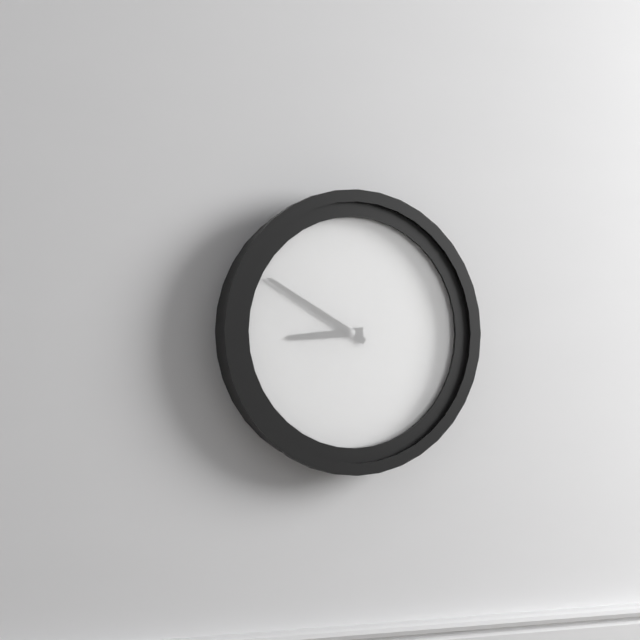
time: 8:50
